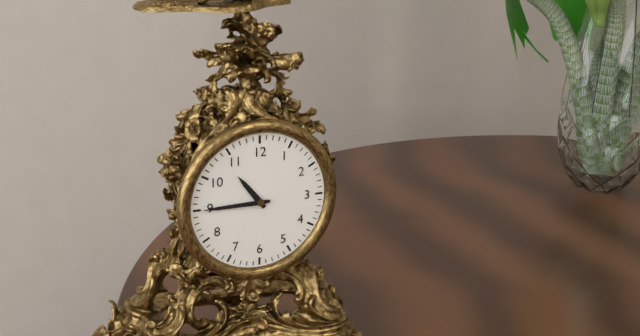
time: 10:45
